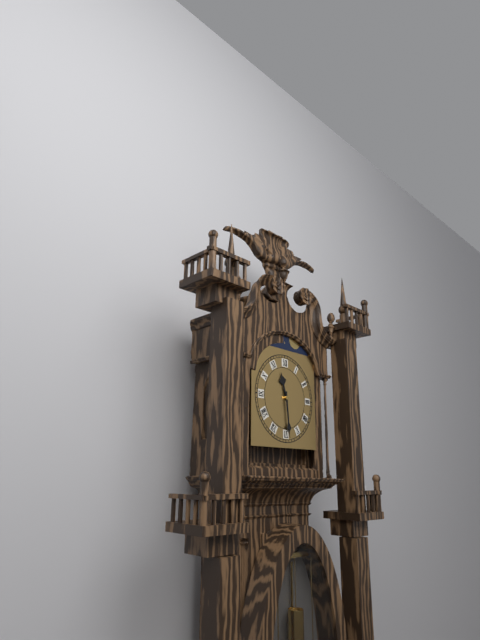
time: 11:29
